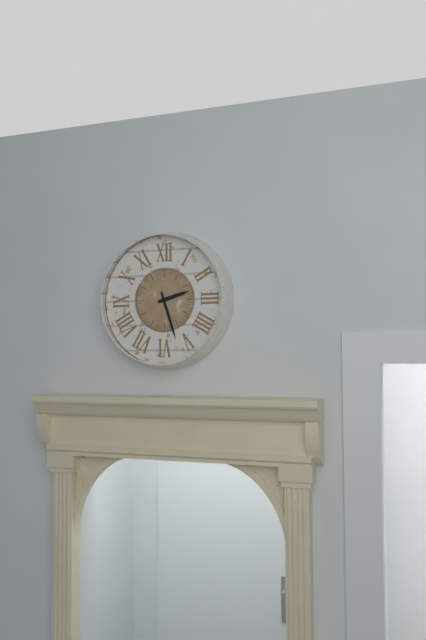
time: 2:27
